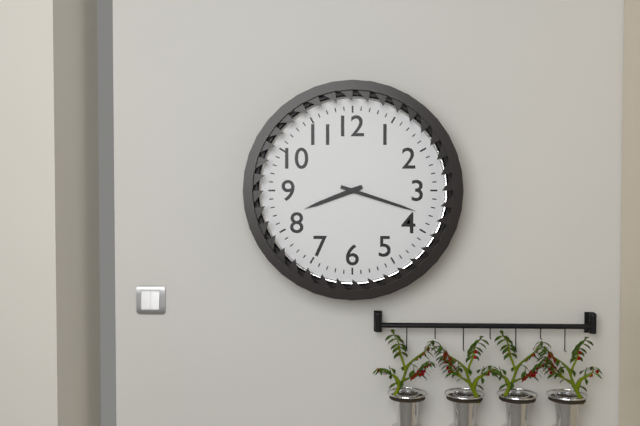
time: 8:18
